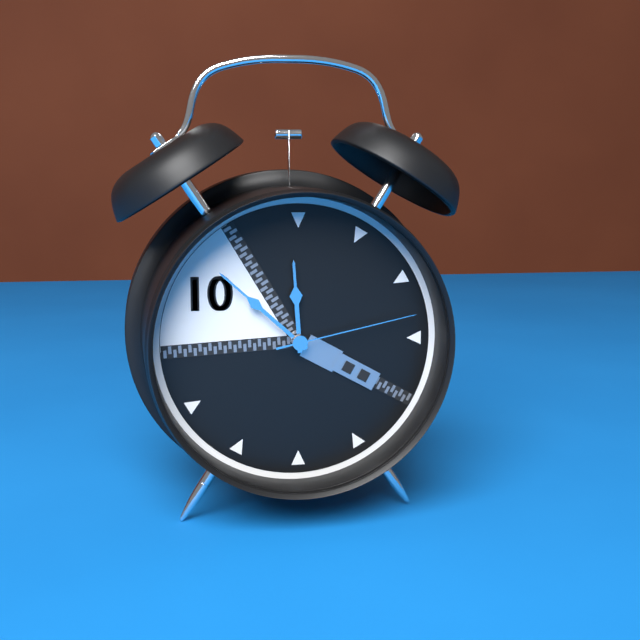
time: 11:52:13
